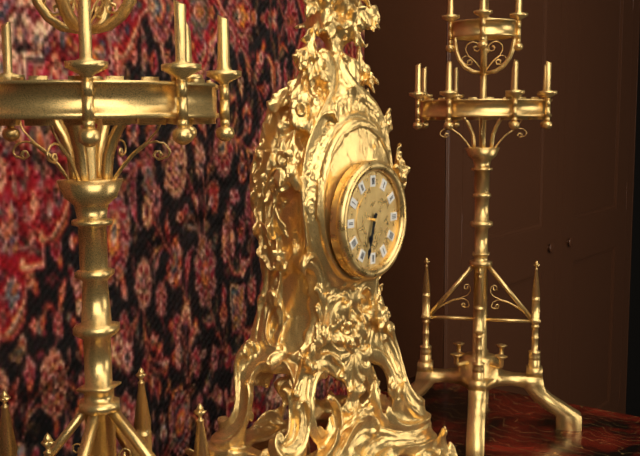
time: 6:33
